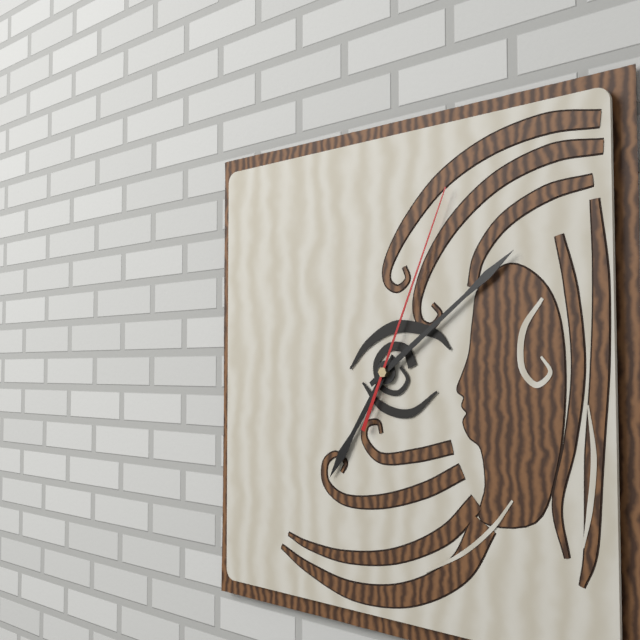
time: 7:09:04
